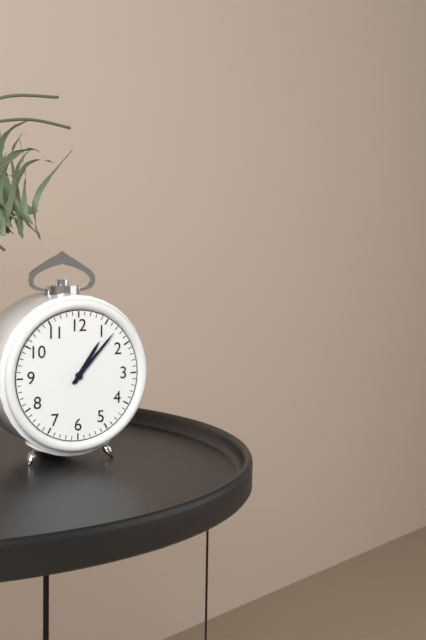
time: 1:07
